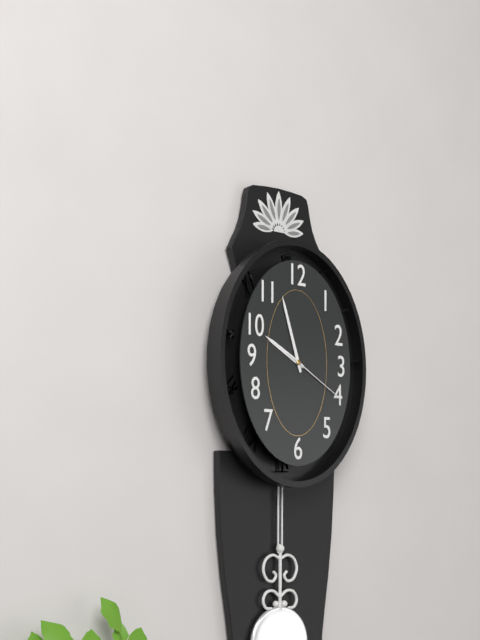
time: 9:57:20
